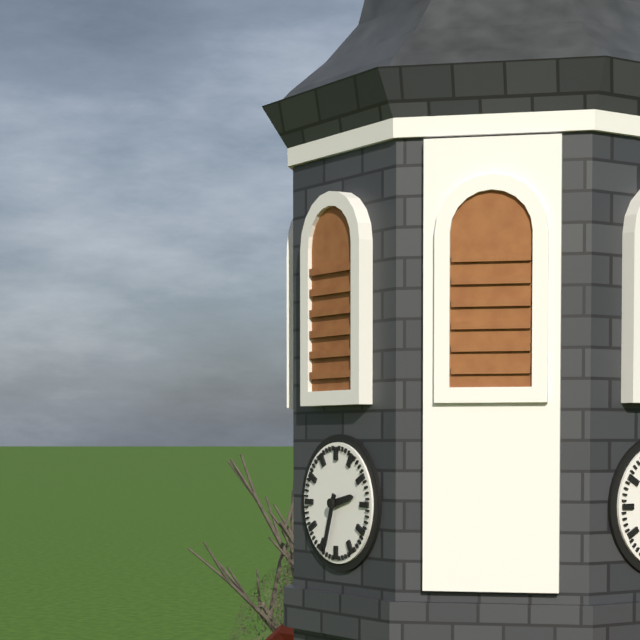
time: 2:33
